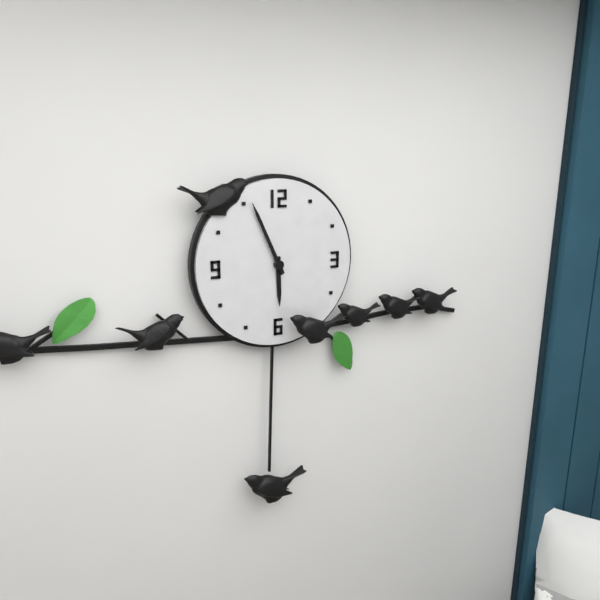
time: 5:56
